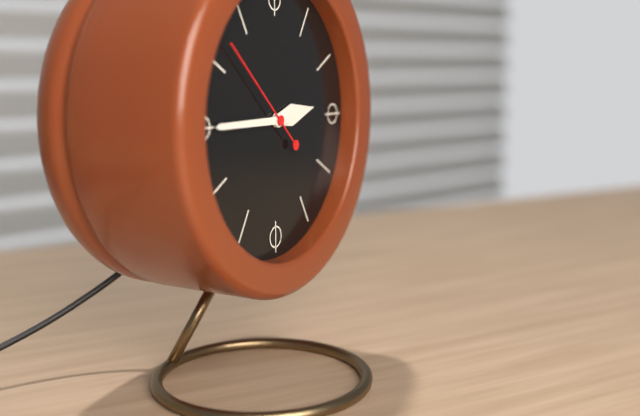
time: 2:45:52
